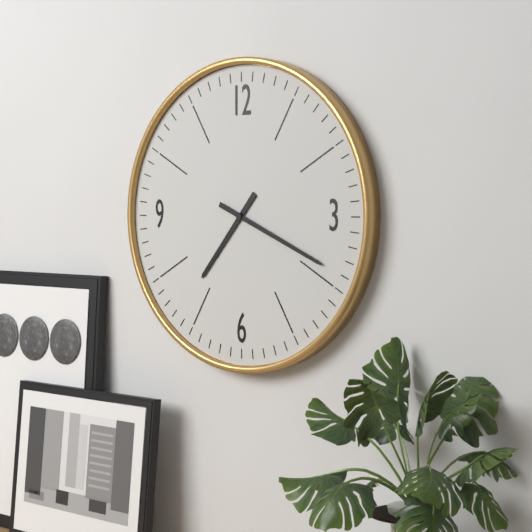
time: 7:19
